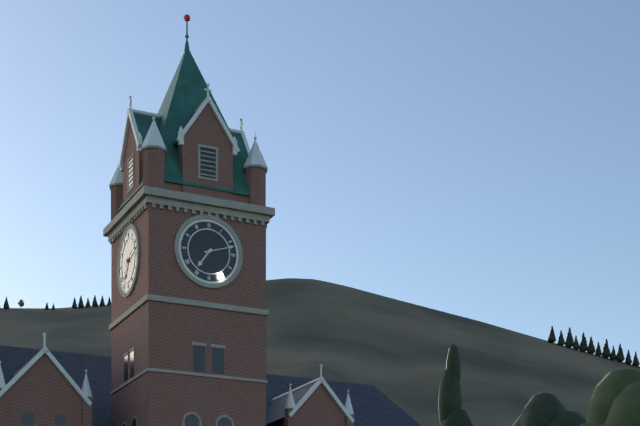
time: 7:12
